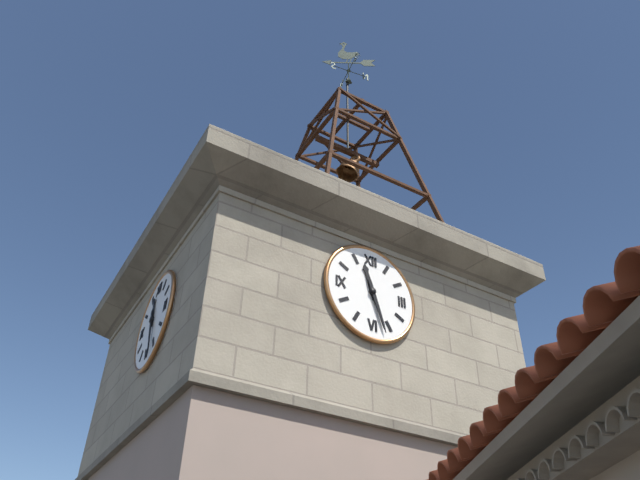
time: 11:27
